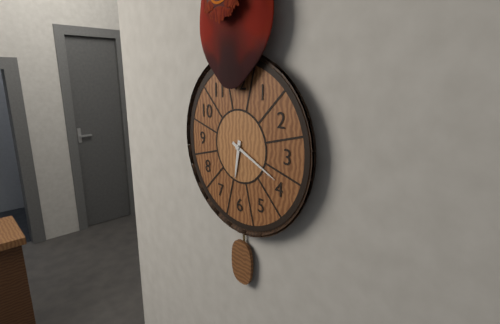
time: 6:19
